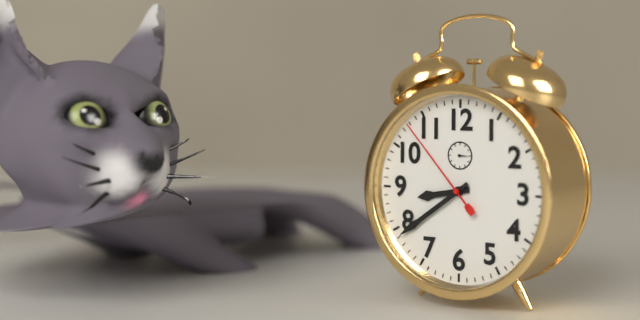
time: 8:39:53
